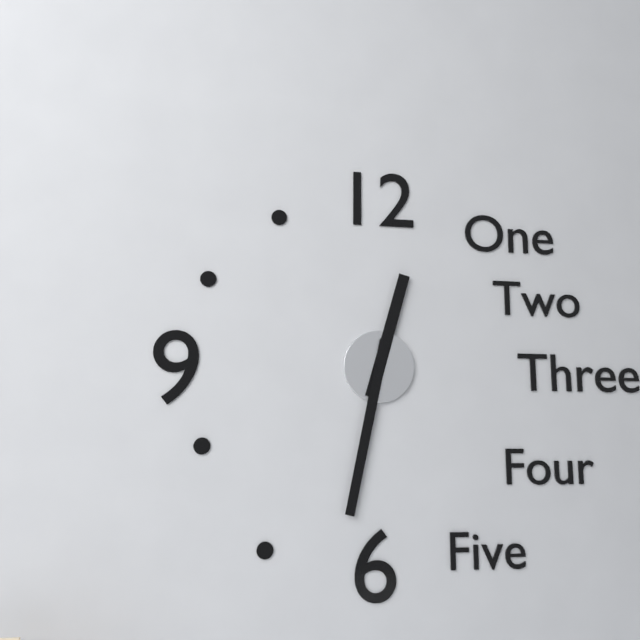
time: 12:32
